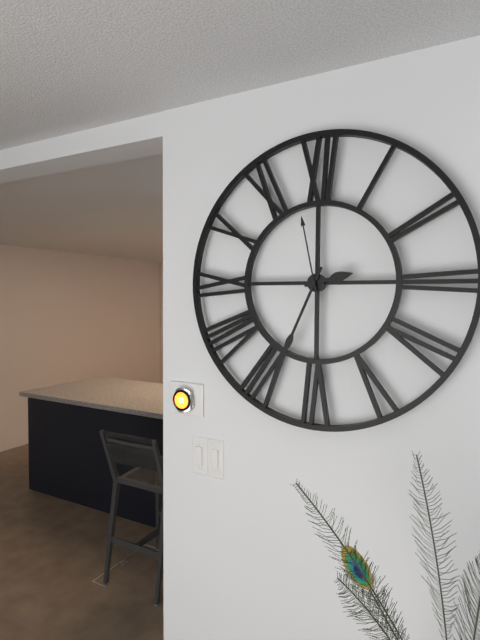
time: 2:34:58
